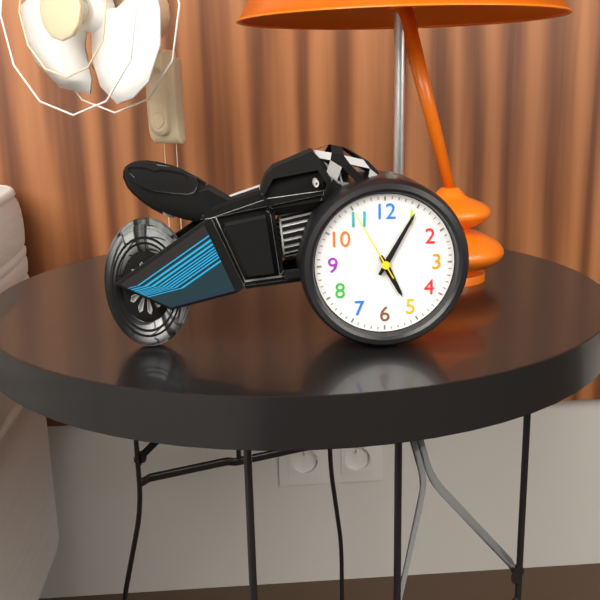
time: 5:05:55
